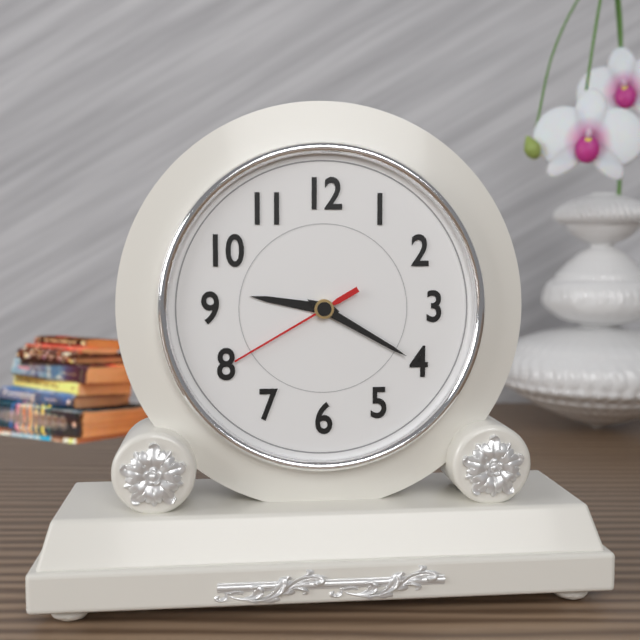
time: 9:20:40
